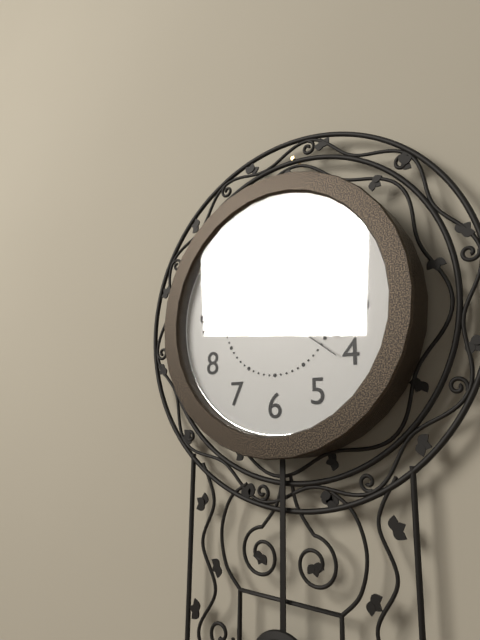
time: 11:19:21
